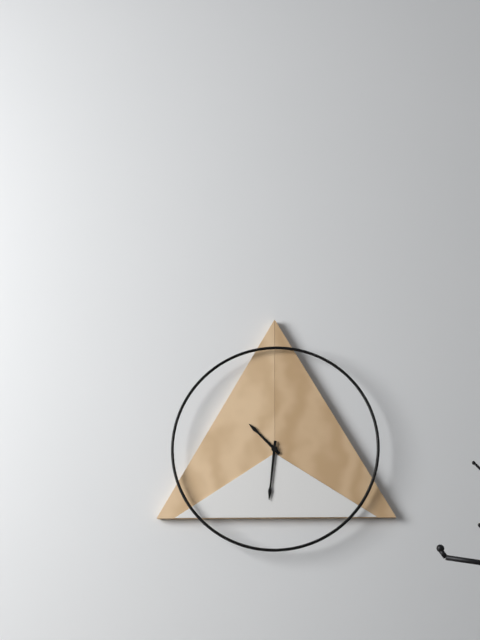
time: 10:31
